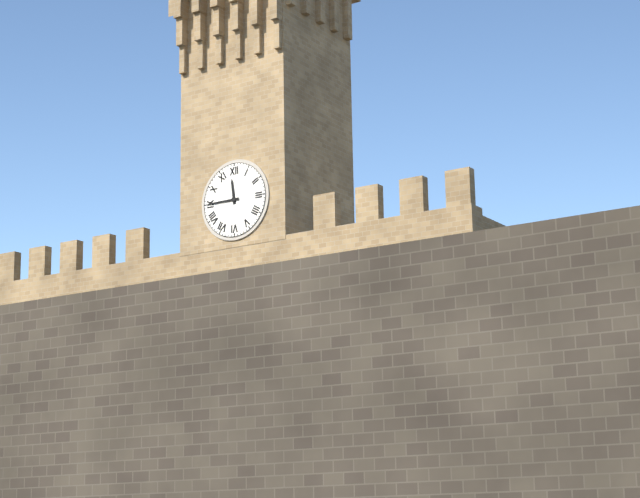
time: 11:45
